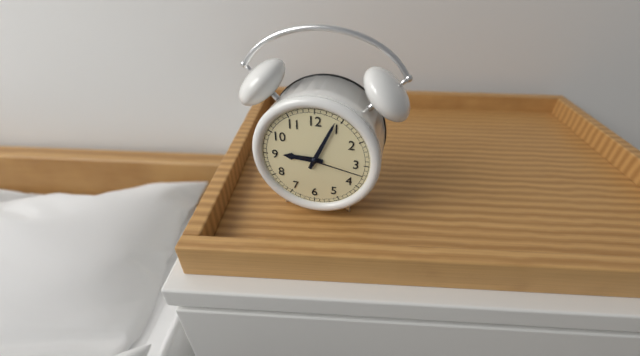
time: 9:04:17
